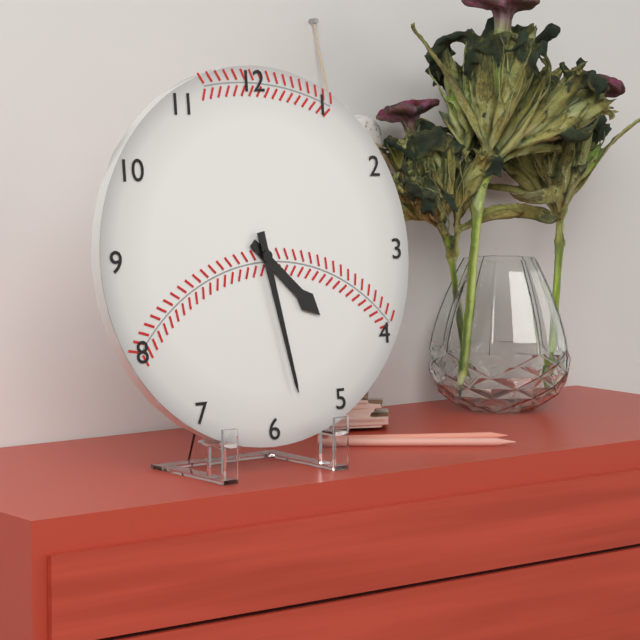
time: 4:28
